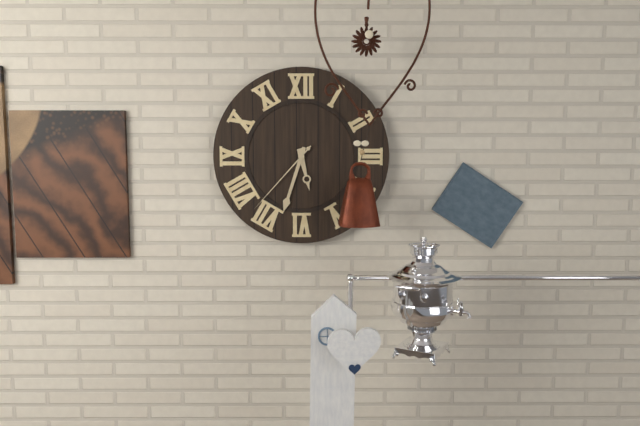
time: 5:33:37
